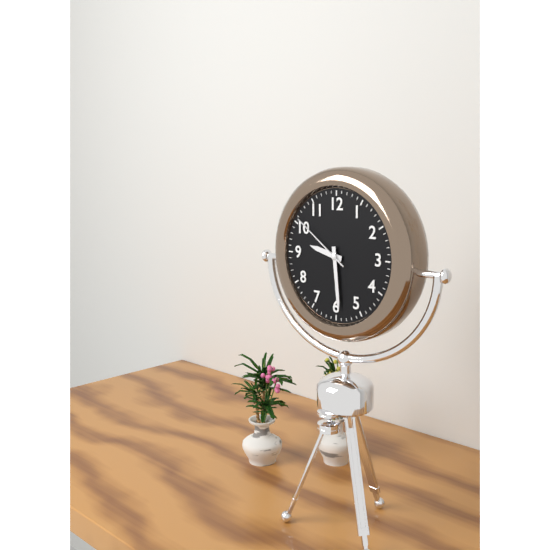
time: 9:29:51
